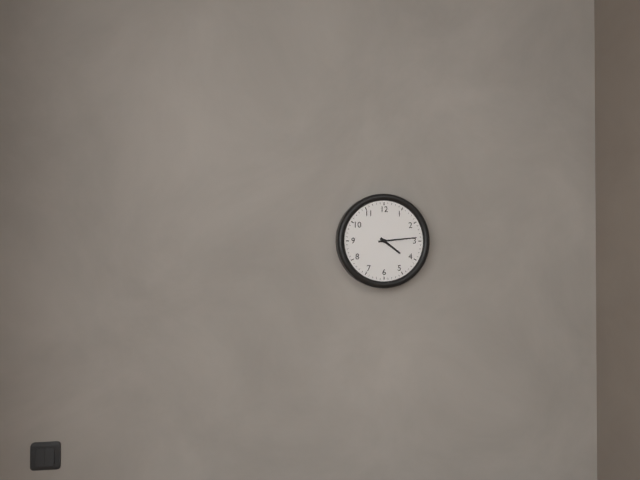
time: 4:14
